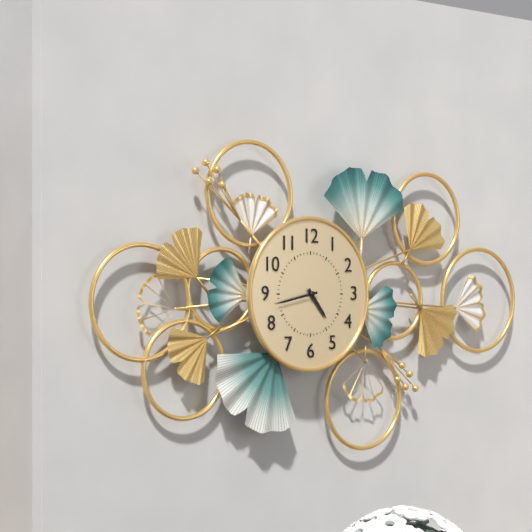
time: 4:43
